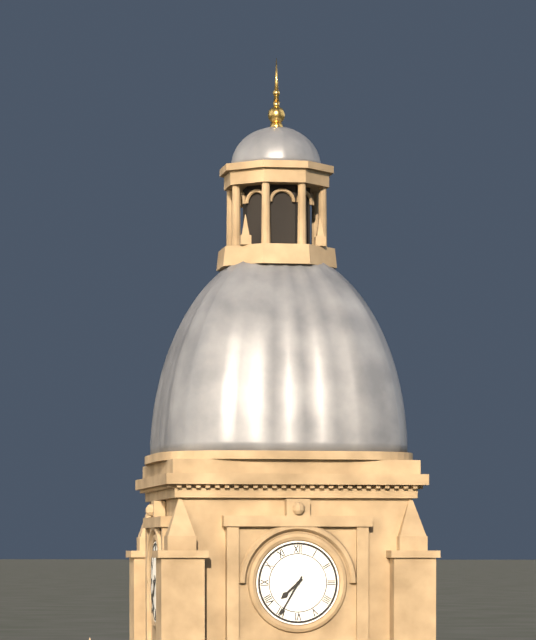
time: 7:35
